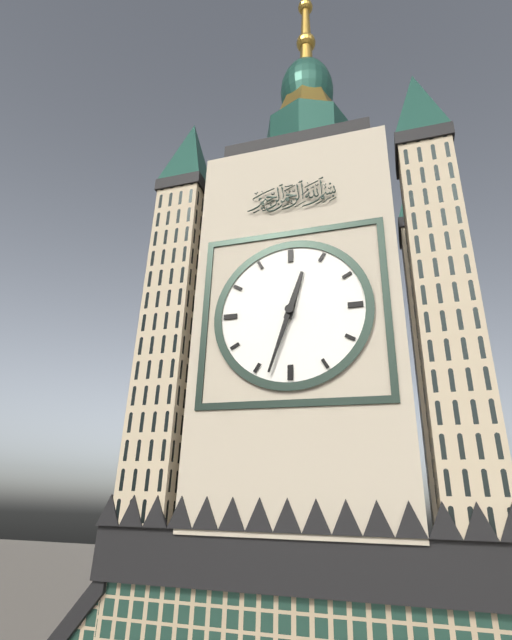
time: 12:33
